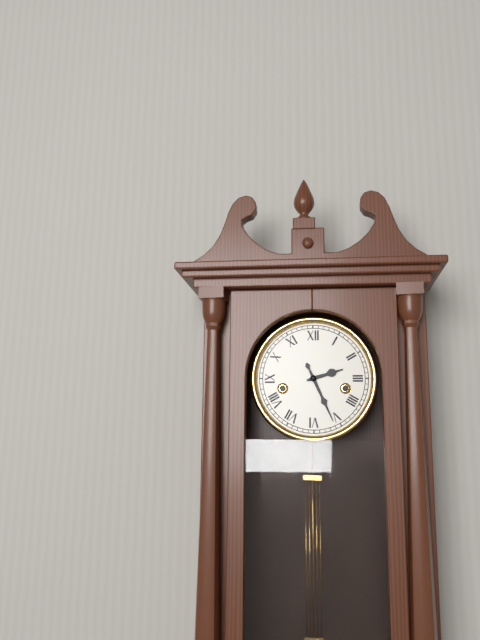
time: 2:26
